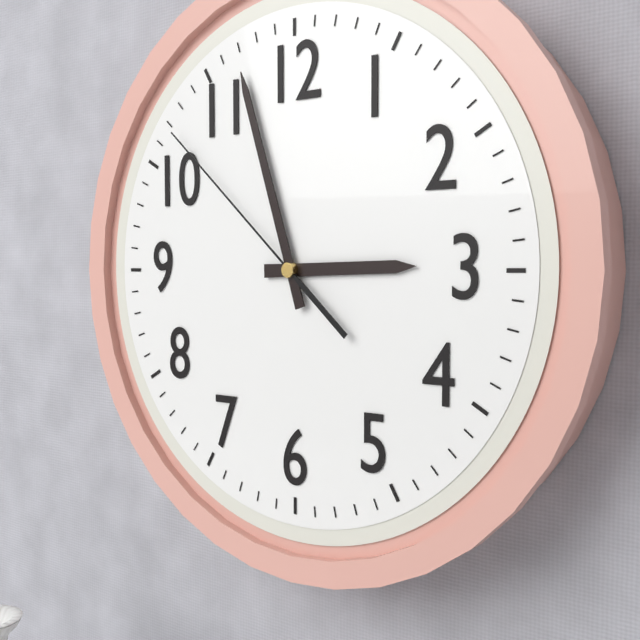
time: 2:57:52
